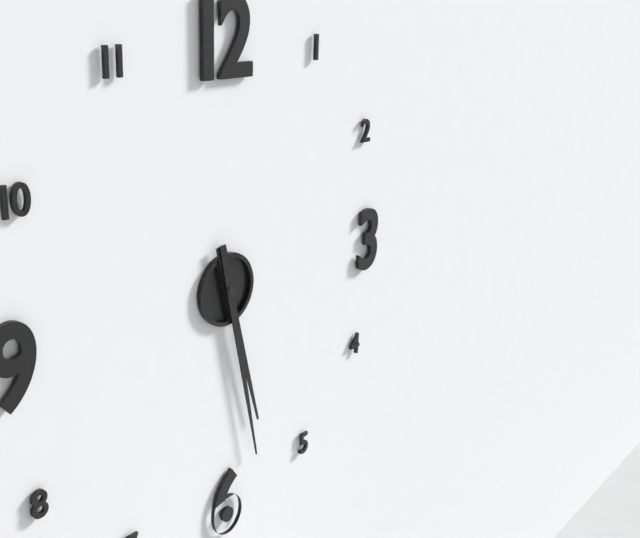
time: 5:28
